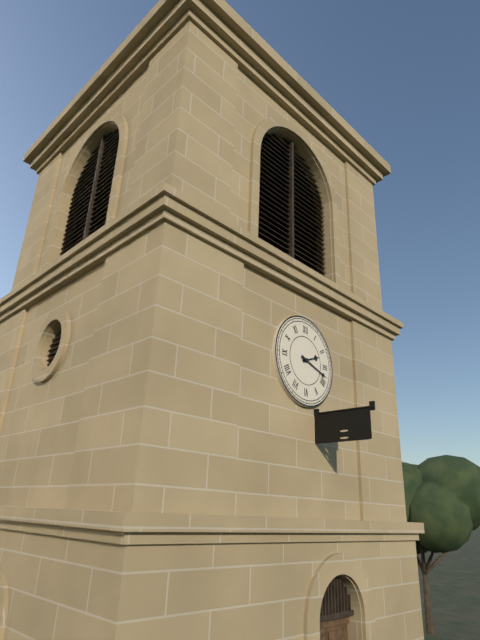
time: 2:18
